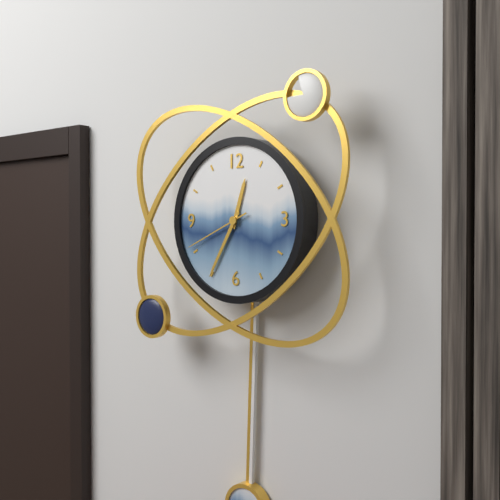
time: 12:35:41
